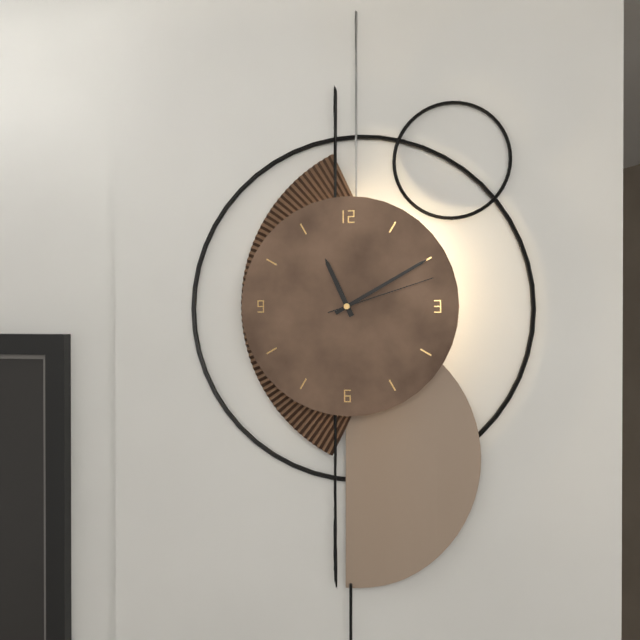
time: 11:10:12
